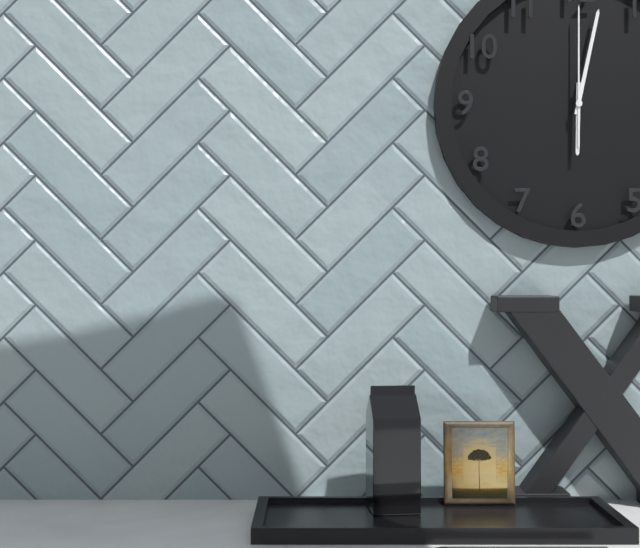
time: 6:02:00
